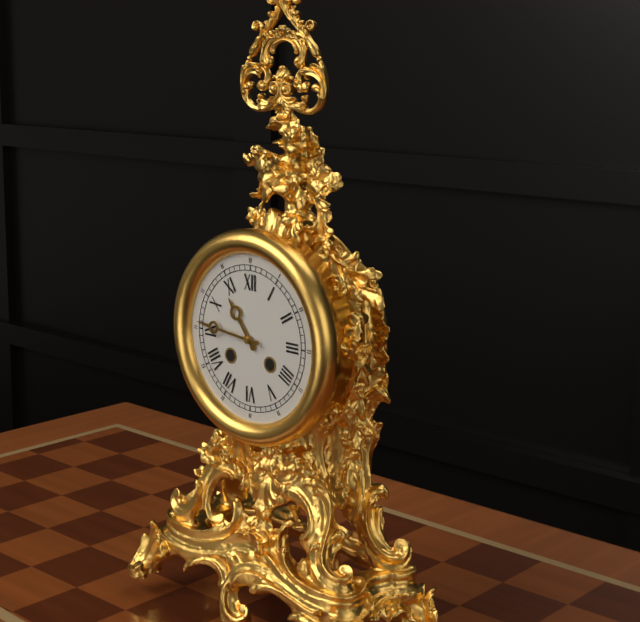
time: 10:46
